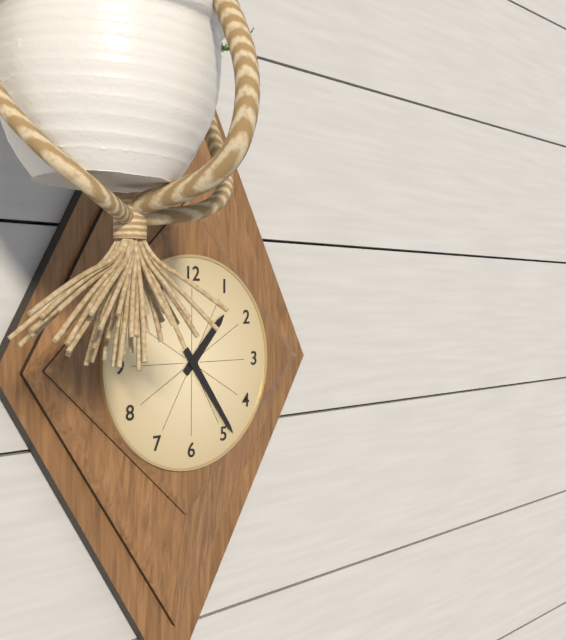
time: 1:24
